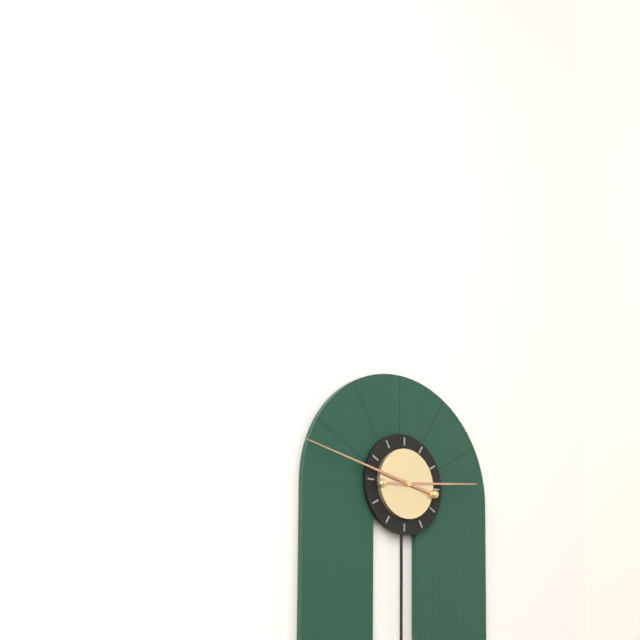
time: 2:47
